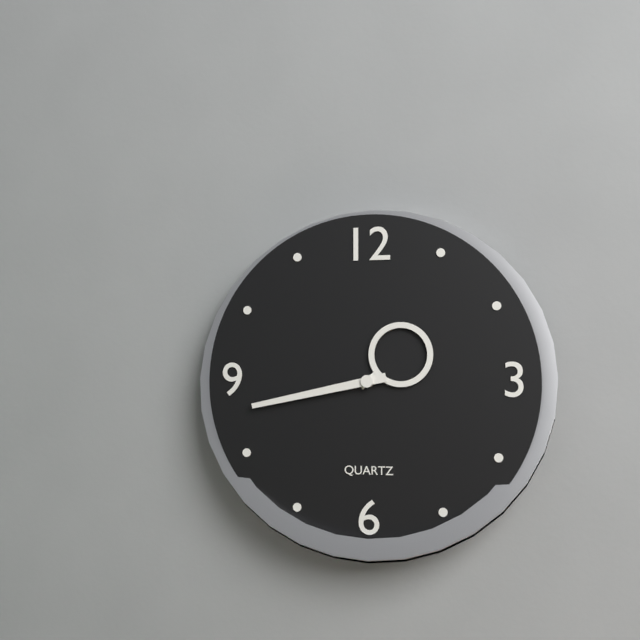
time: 1:43
